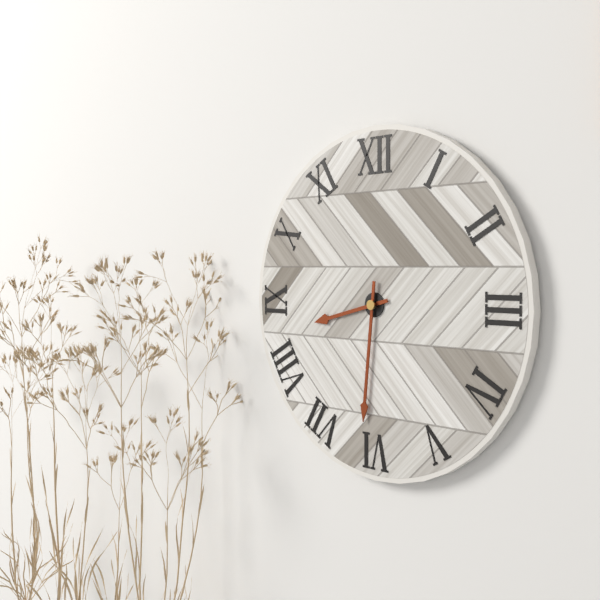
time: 8:31
